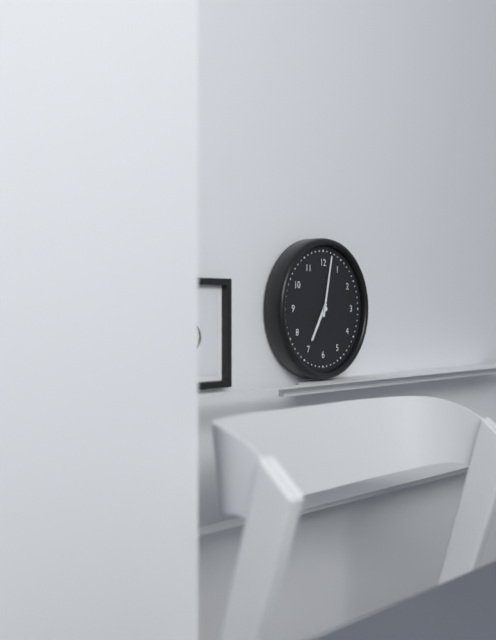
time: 7:02
